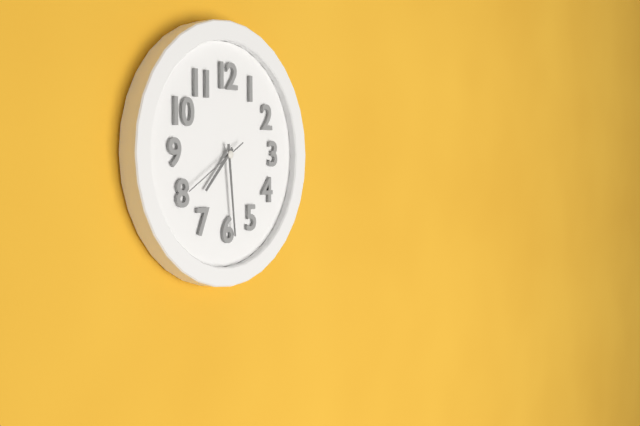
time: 7:29:40
